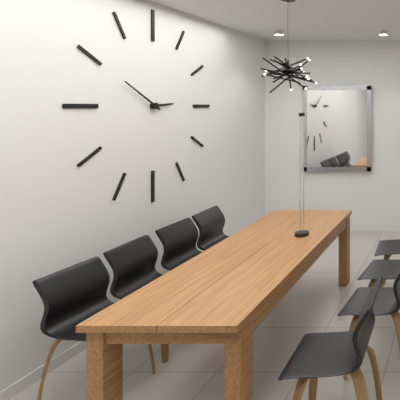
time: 2:50
